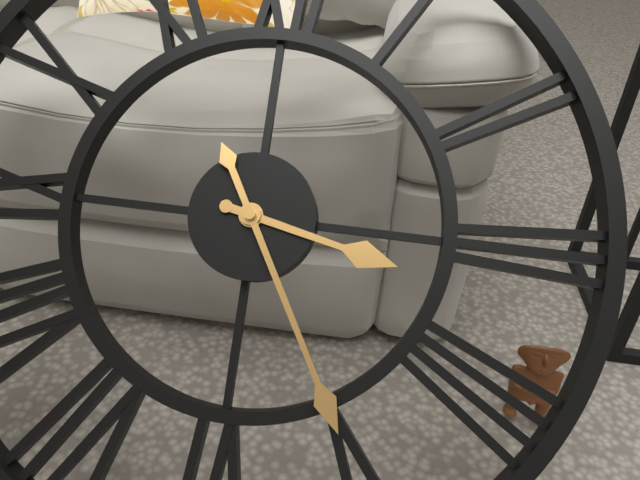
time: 3:25
